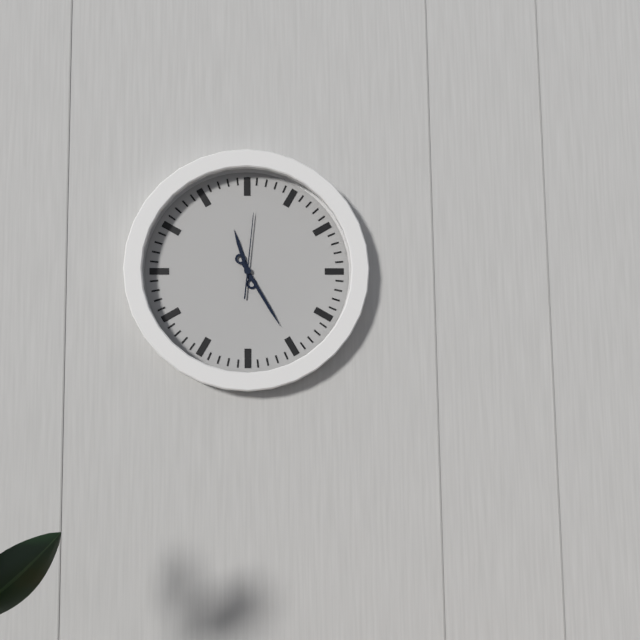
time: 11:25:01
